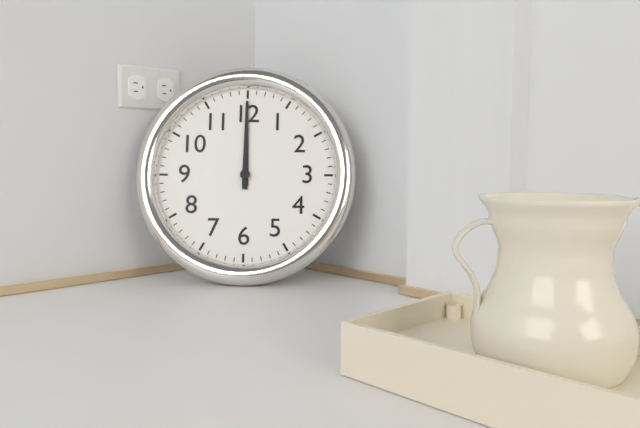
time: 12:00
